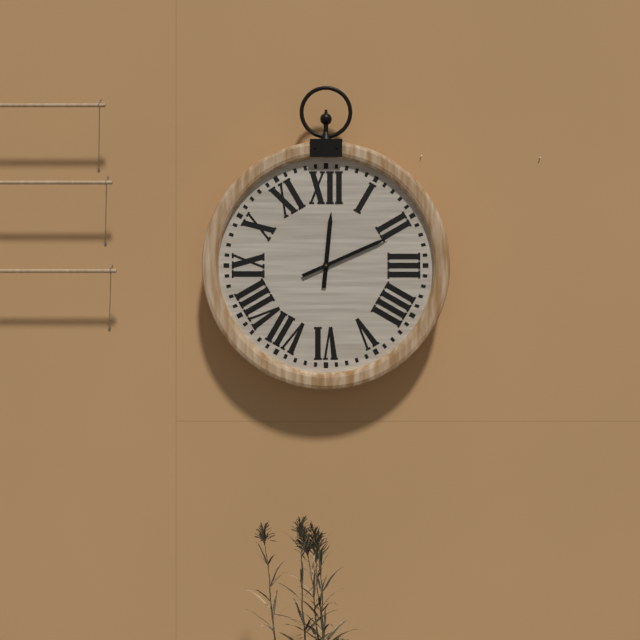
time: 12:11
